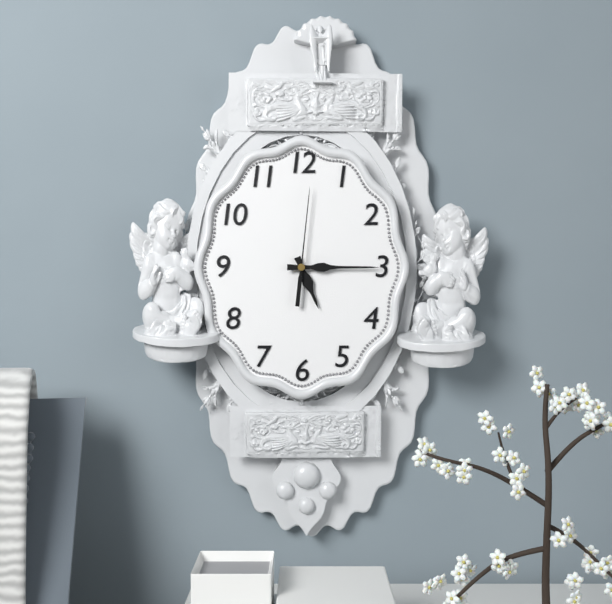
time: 5:15:01
